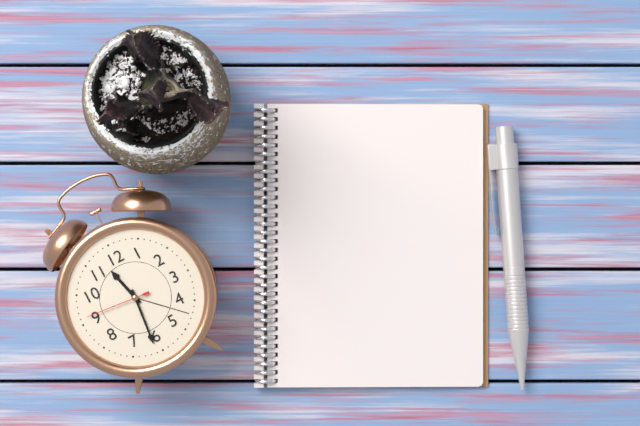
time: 11:31:46
